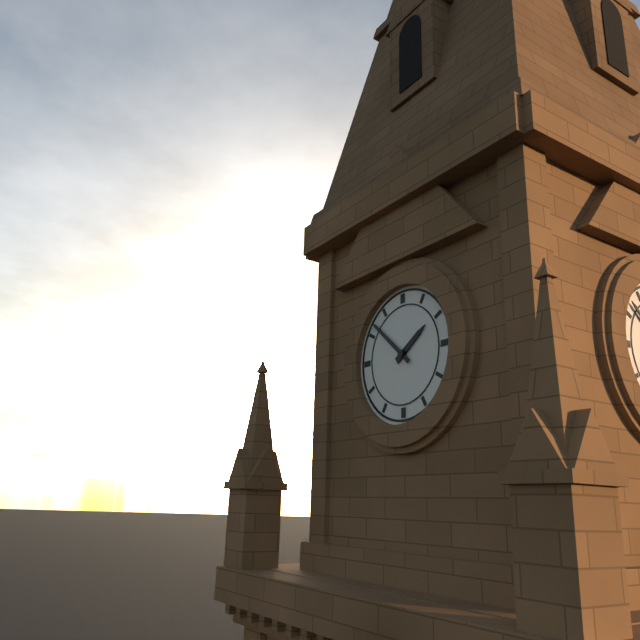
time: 1:52
